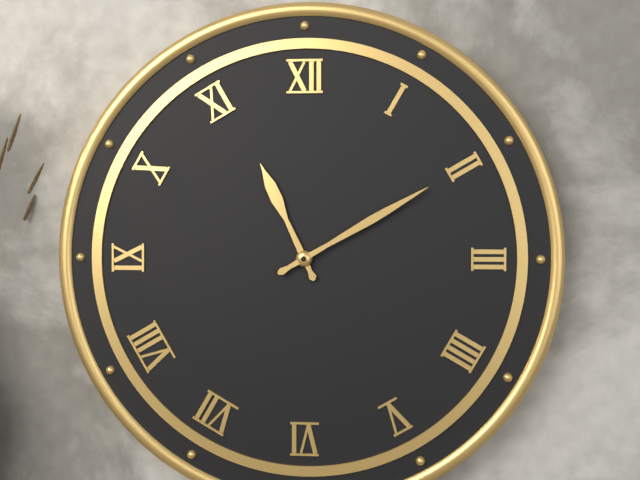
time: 11:10
